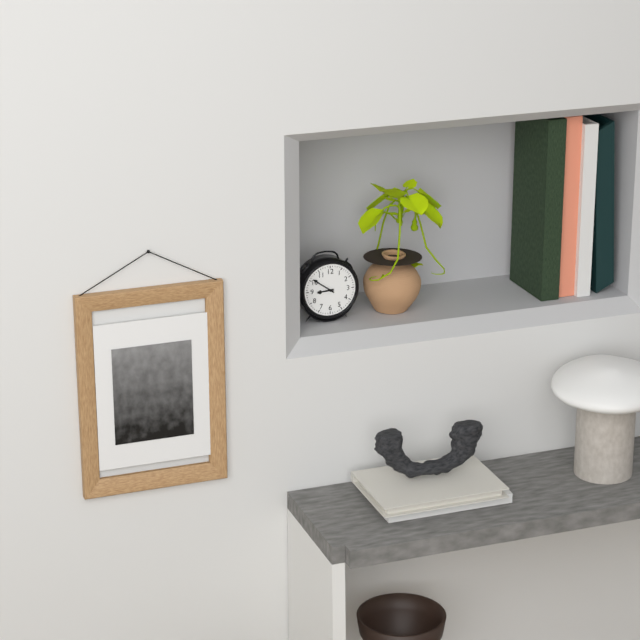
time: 8:51
